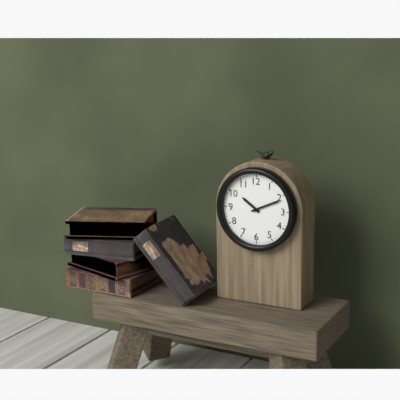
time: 10:11
